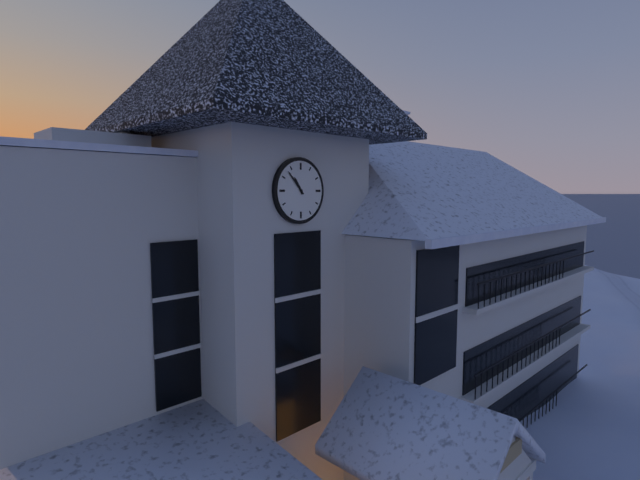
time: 10:53
